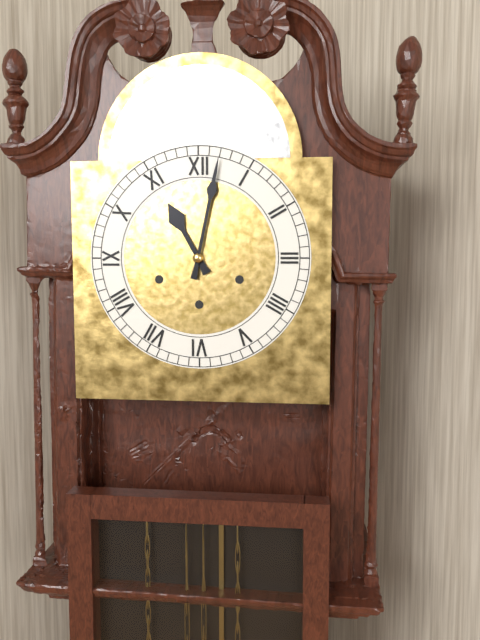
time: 11:02
